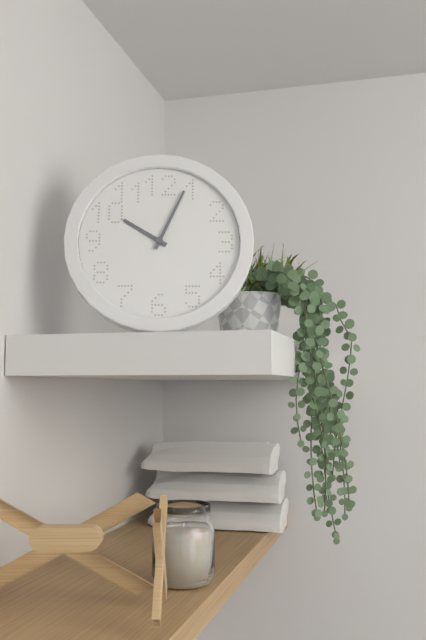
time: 10:04
